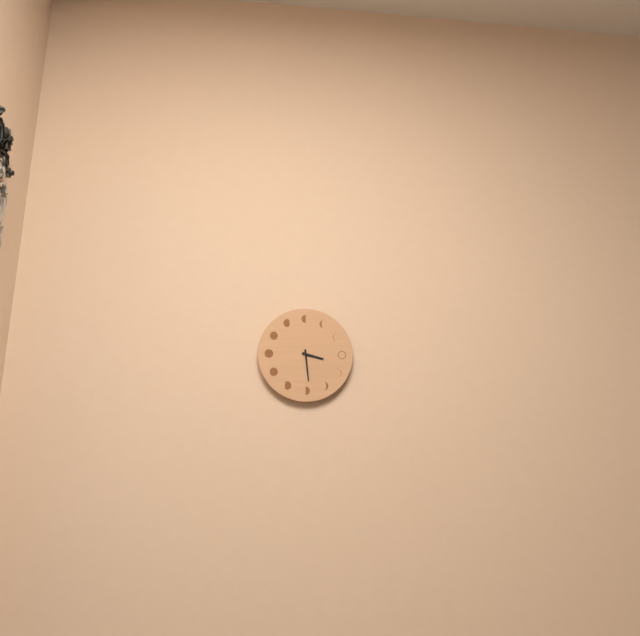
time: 3:29
